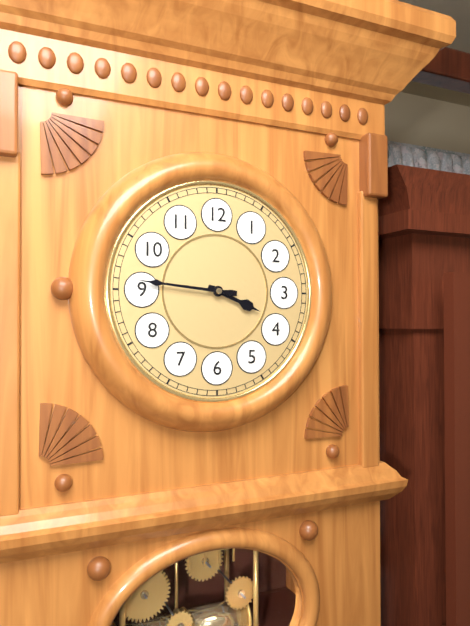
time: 3:46
